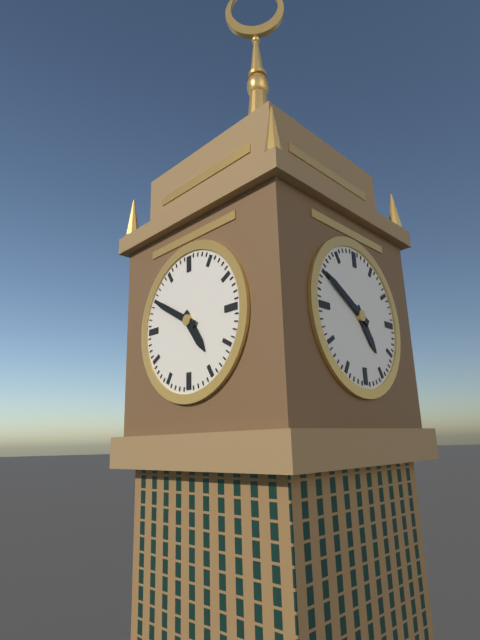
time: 4:50
